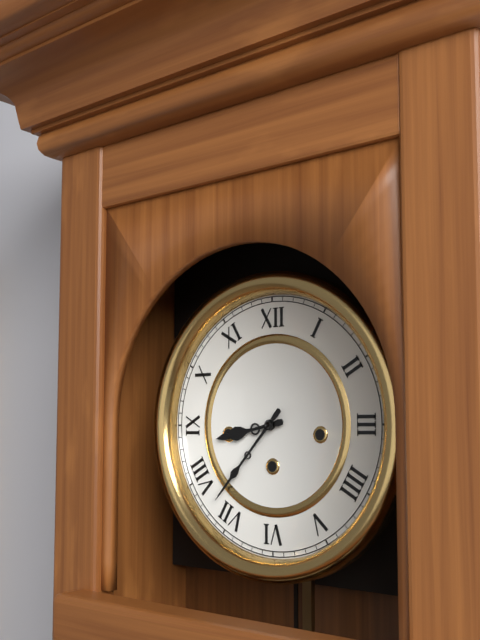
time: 8:37
